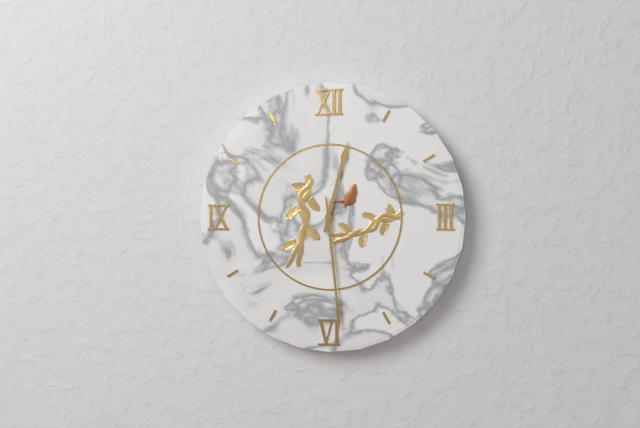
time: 12:29
